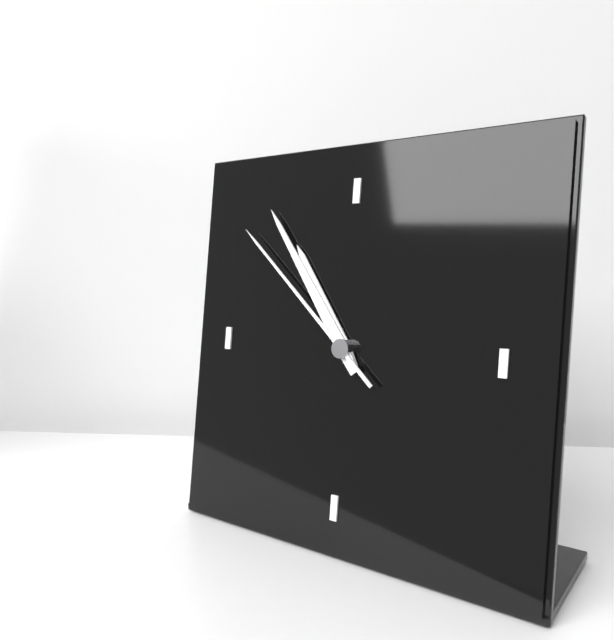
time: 10:54:52
